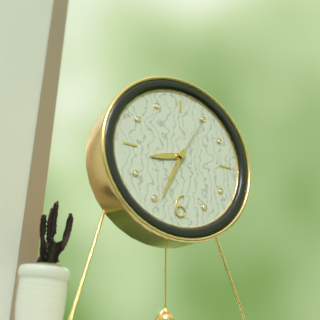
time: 8:34:05
